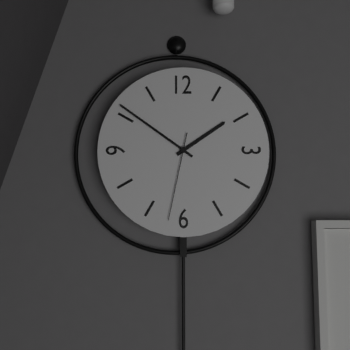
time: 1:51:32
